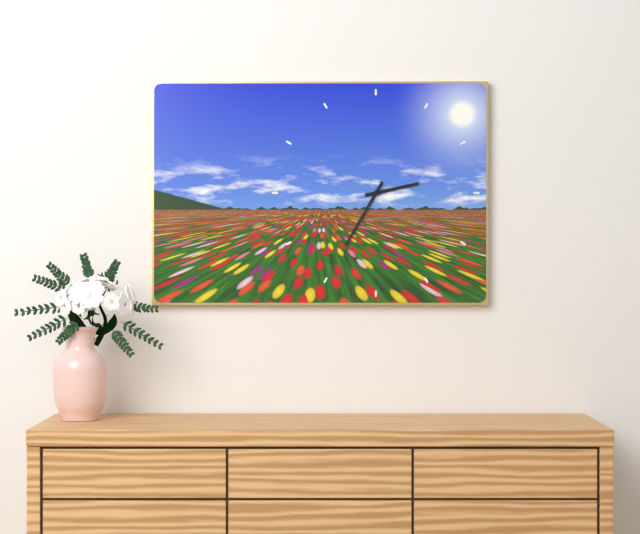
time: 2:35
